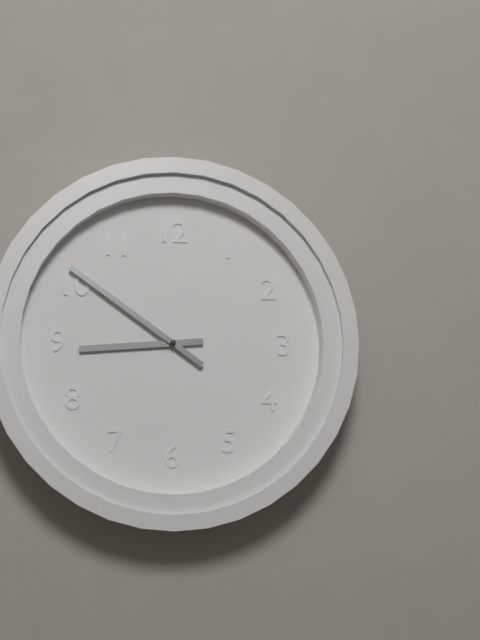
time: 8:51
